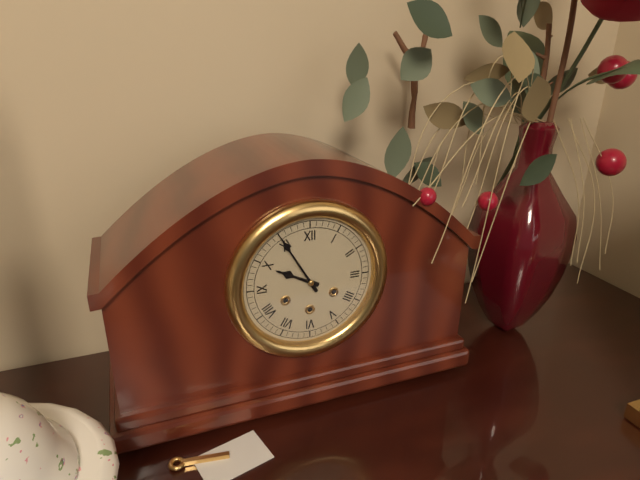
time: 9:55
